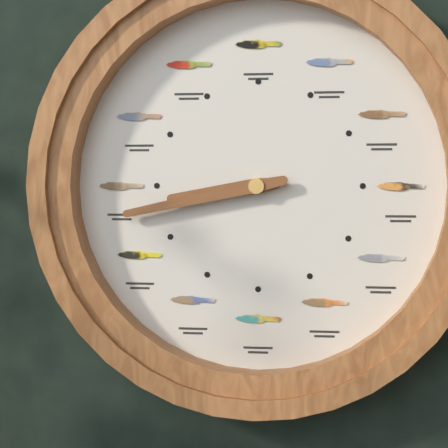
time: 8:43
